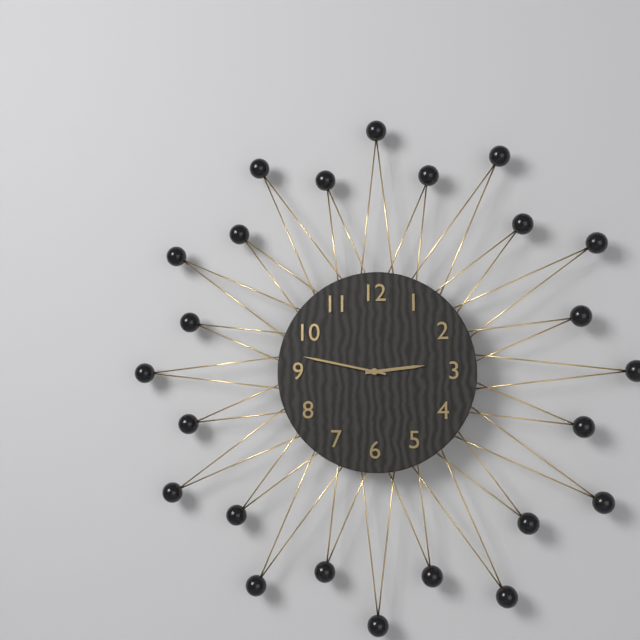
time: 2:47
